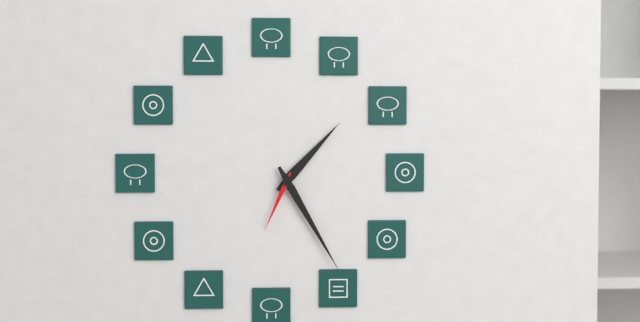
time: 1:25:34
